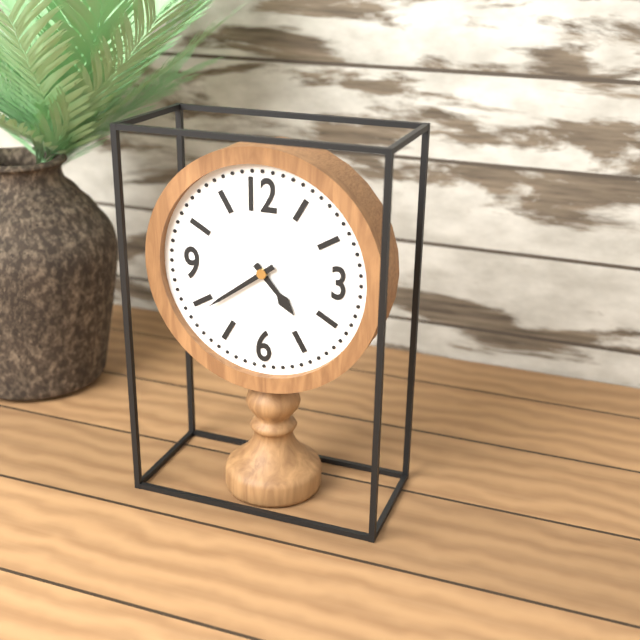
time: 4:39
